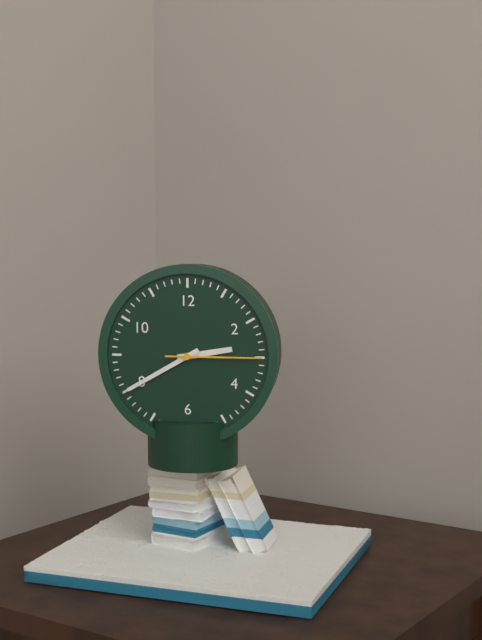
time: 2:40:15
